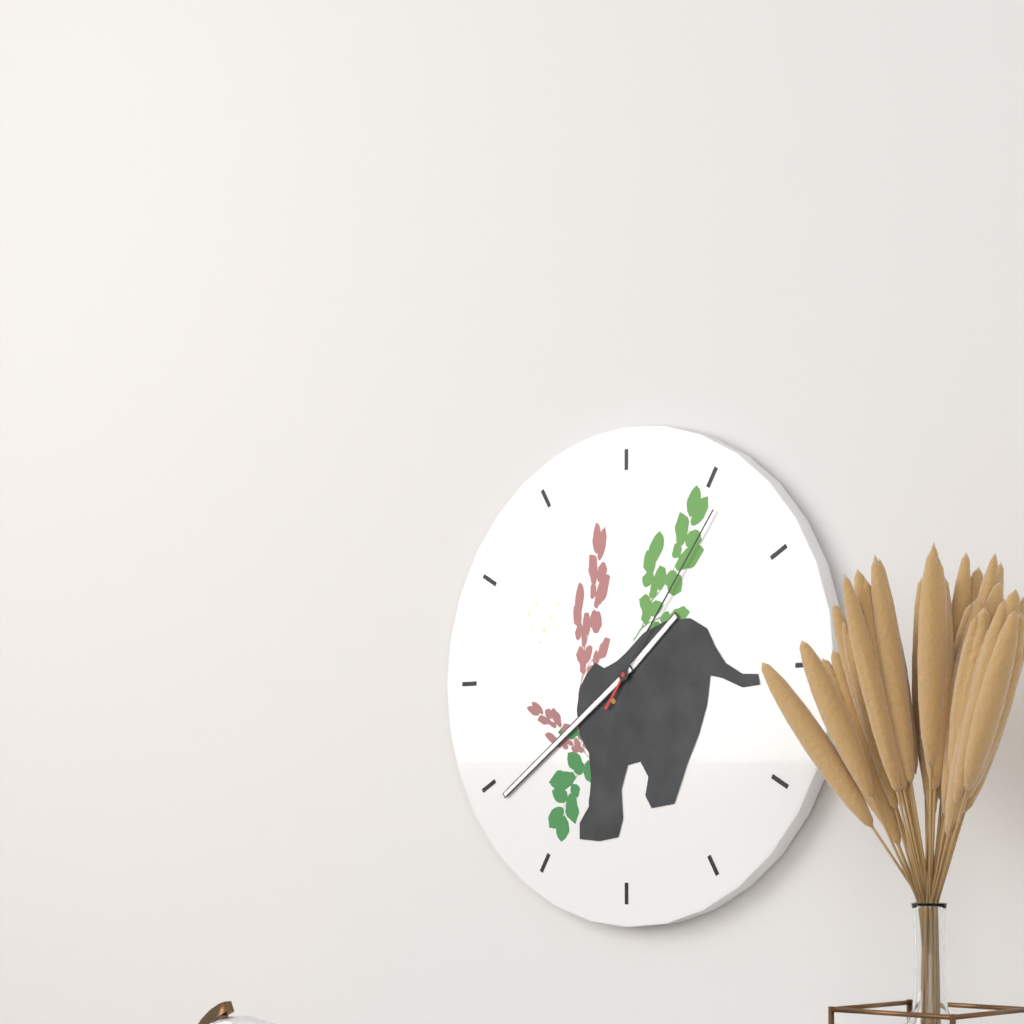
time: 1:39:06
